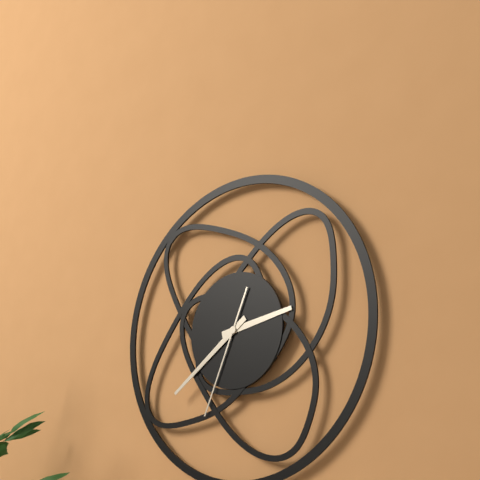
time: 2:39:34
